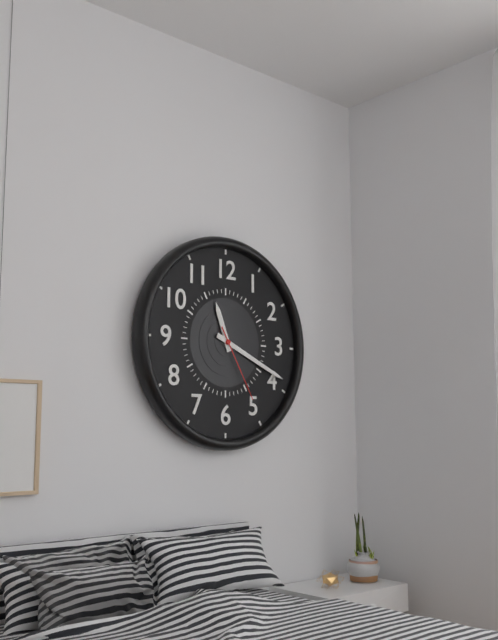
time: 11:19:25
